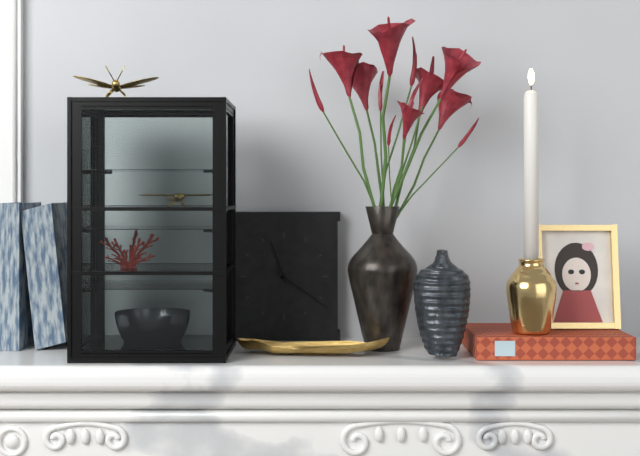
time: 11:21
